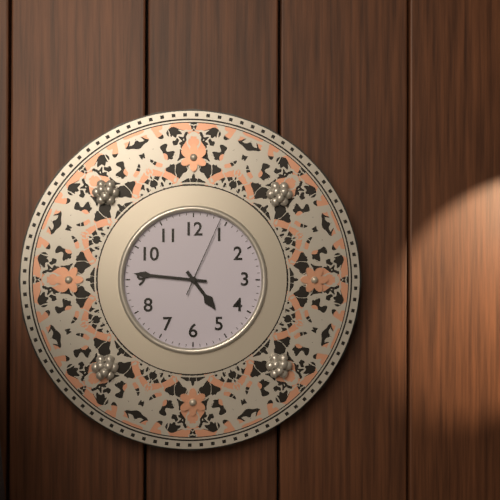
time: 4:46:04
